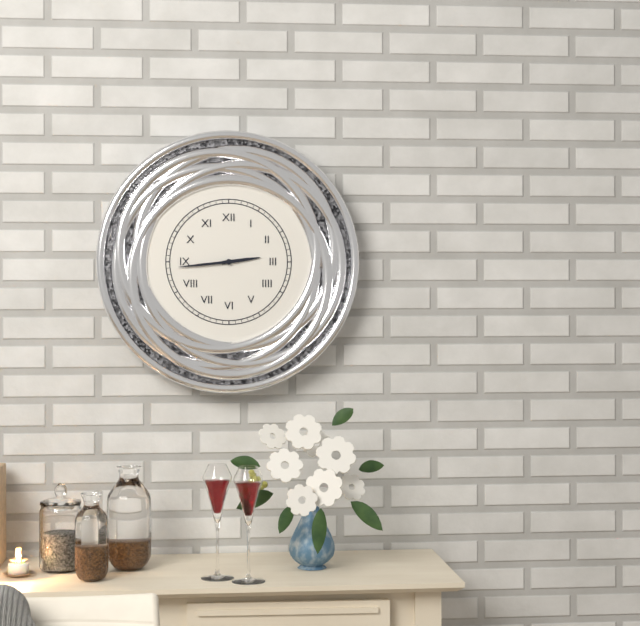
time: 2:44
